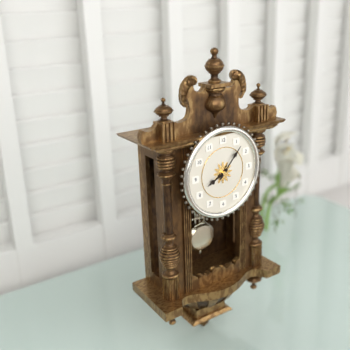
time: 8:07
